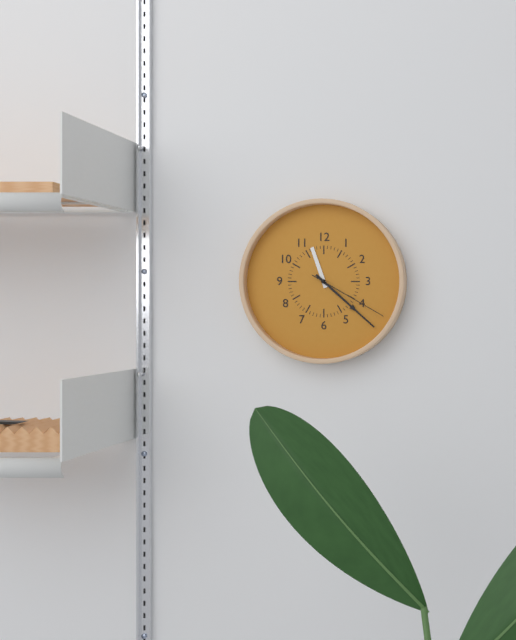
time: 11:22:20
